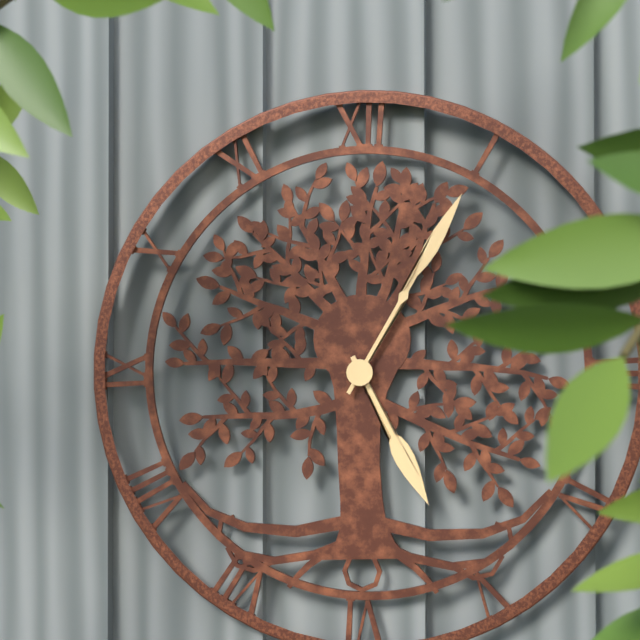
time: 5:05
